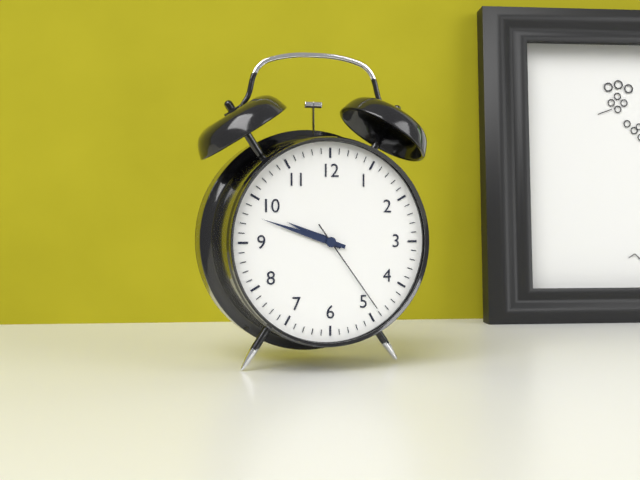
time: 9:48:24
